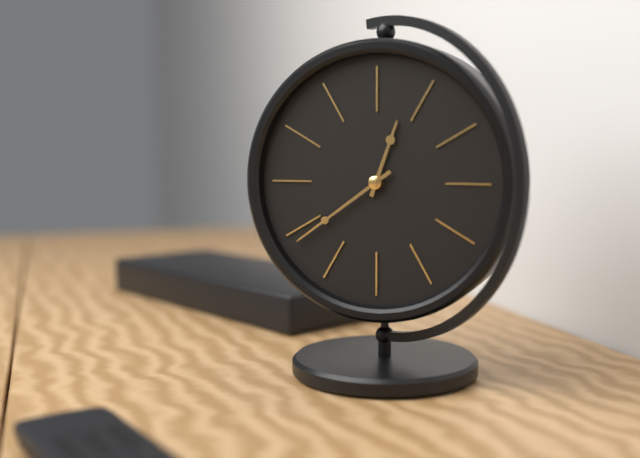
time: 12:39
